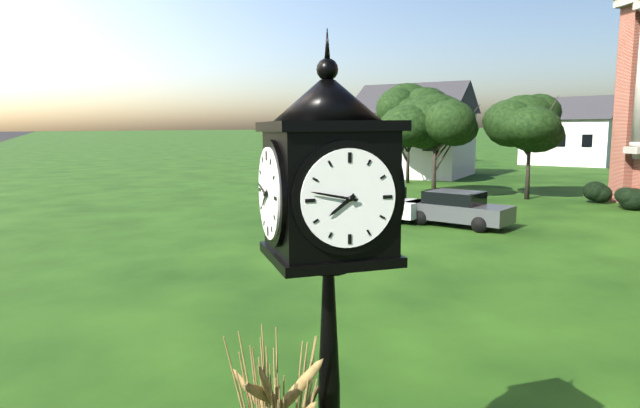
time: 7:47
